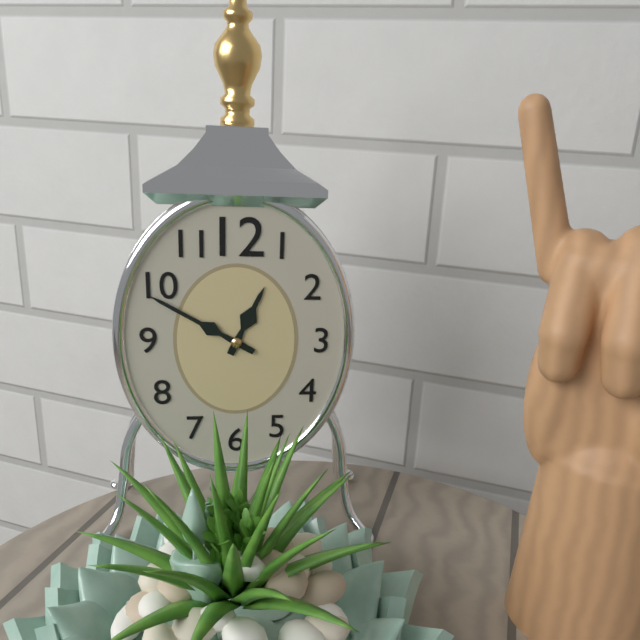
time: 12:50
